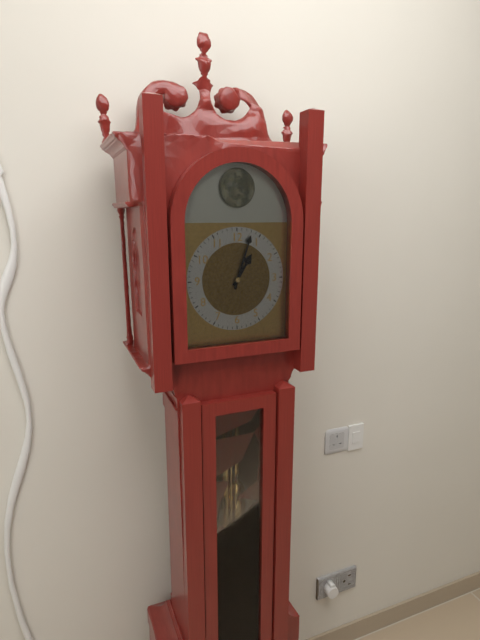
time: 1:03
